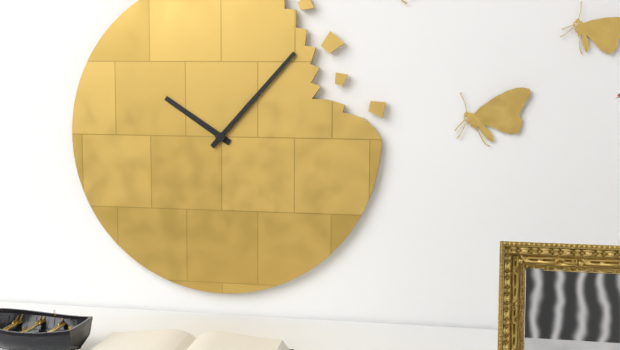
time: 10:07
